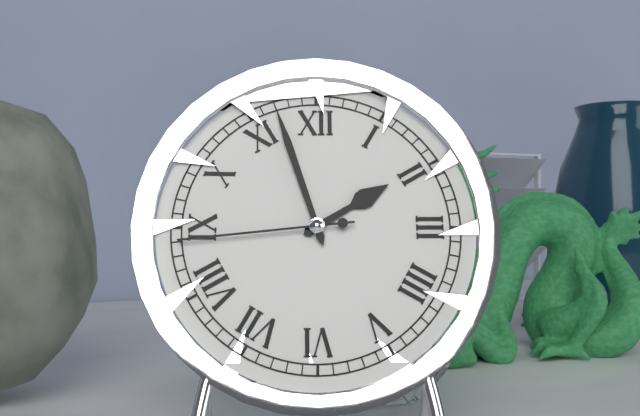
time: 1:57:44
